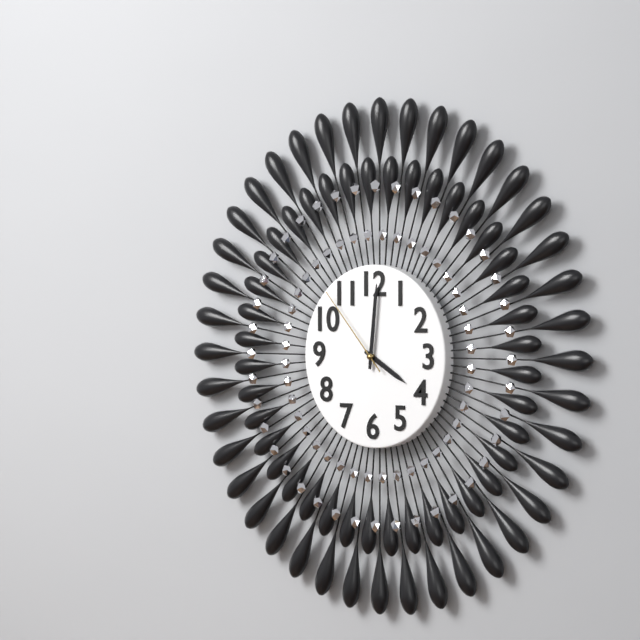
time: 4:01:53
